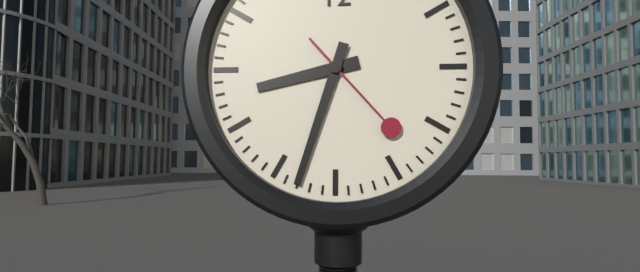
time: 8:33:23
